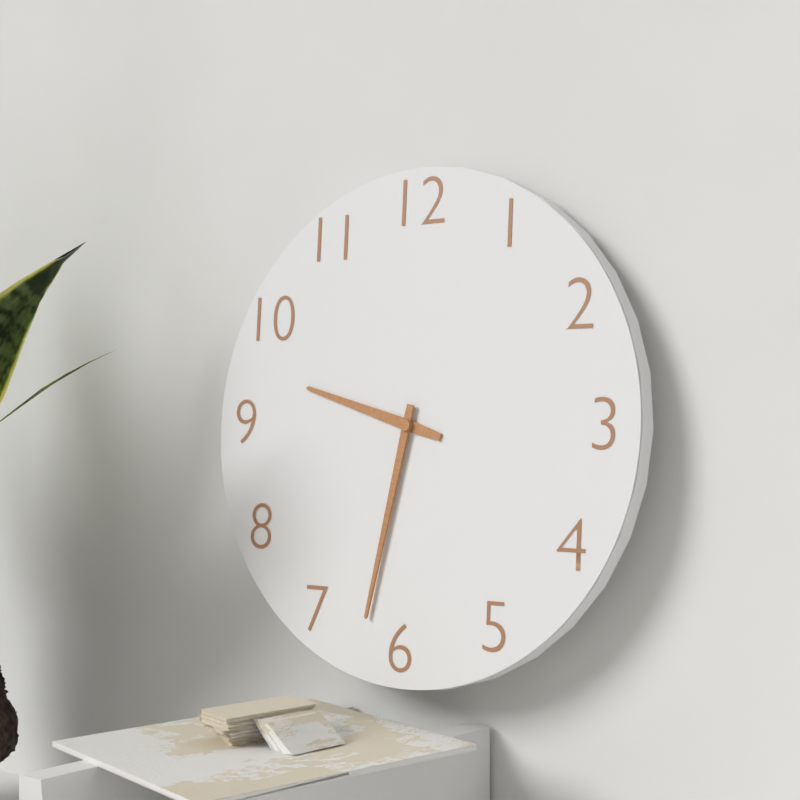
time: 9:32
